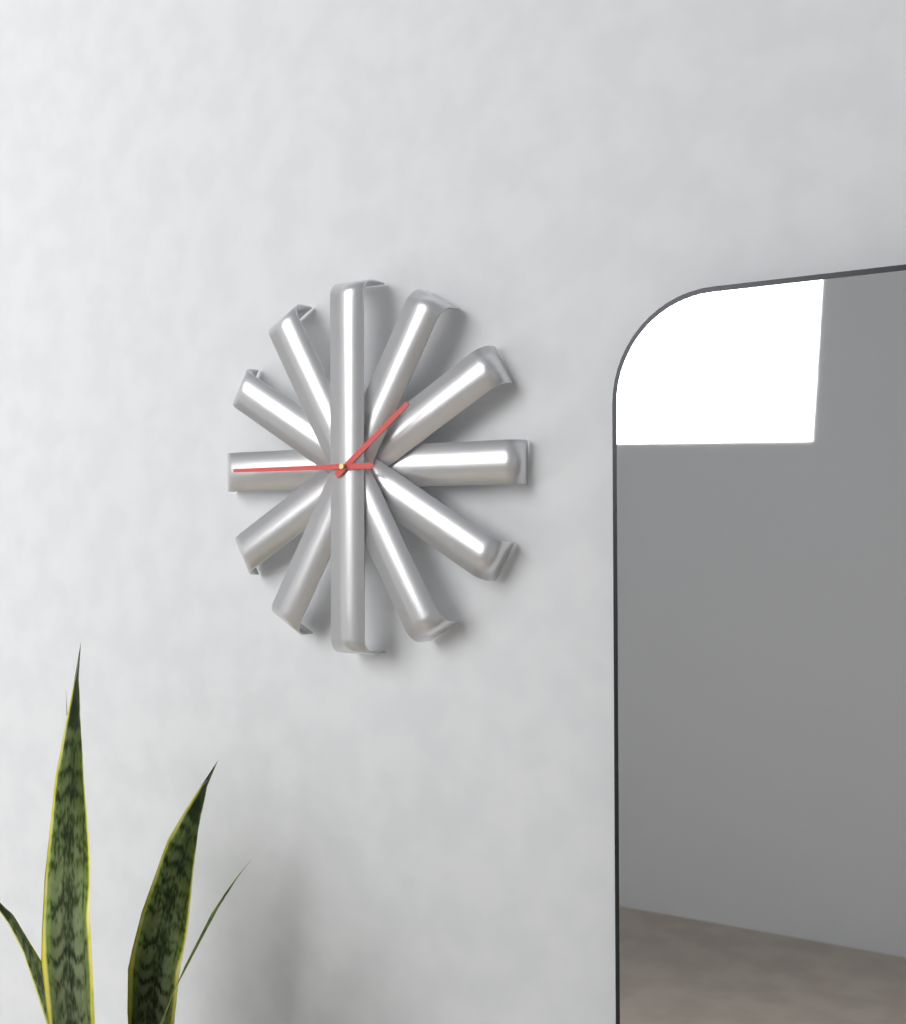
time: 1:45
